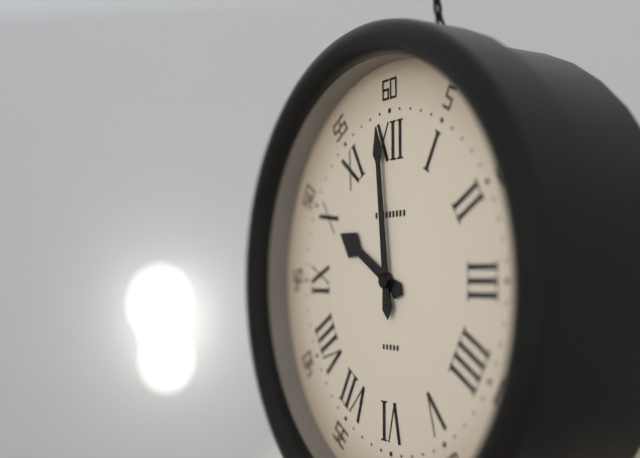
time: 9:59
